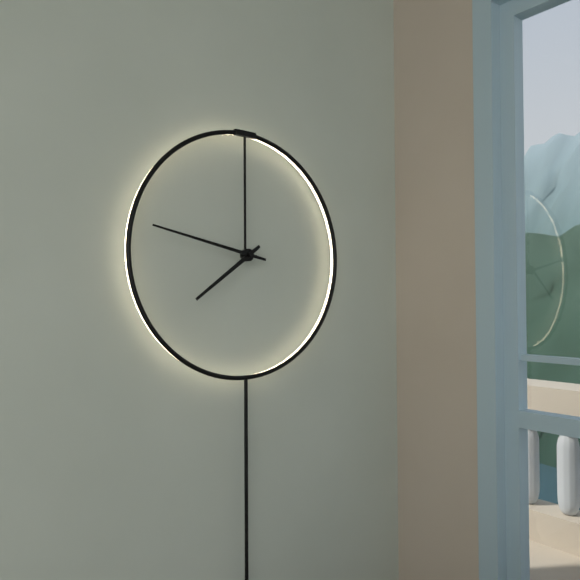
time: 7:47
